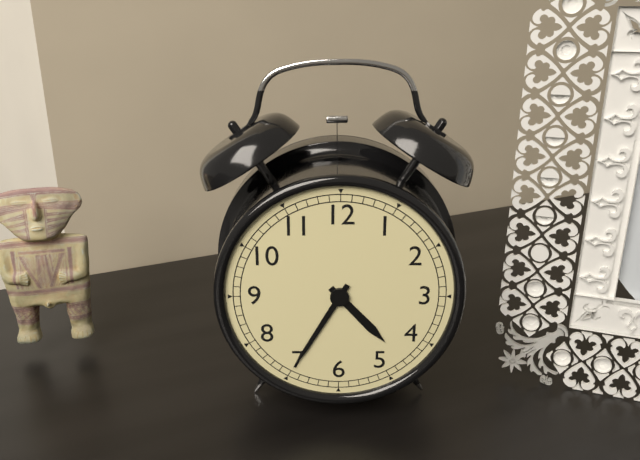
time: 4:35
